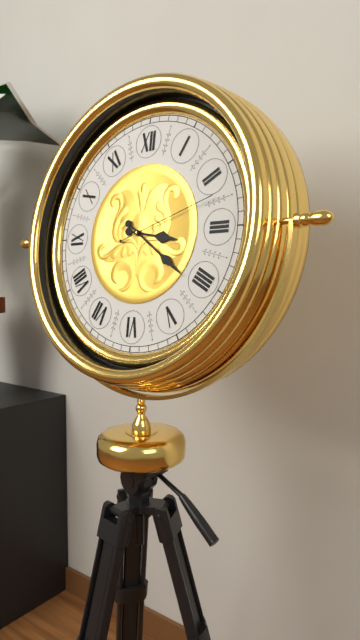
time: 3:21:12
